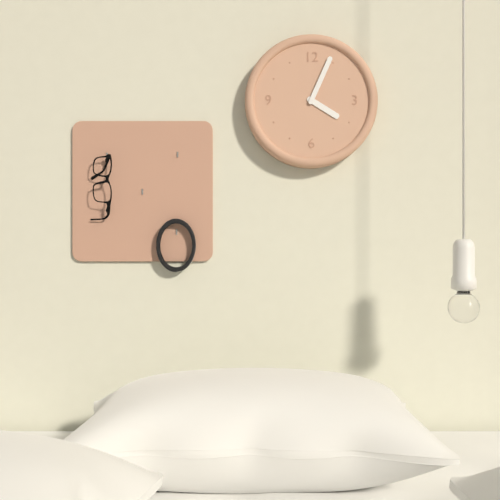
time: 4:04
